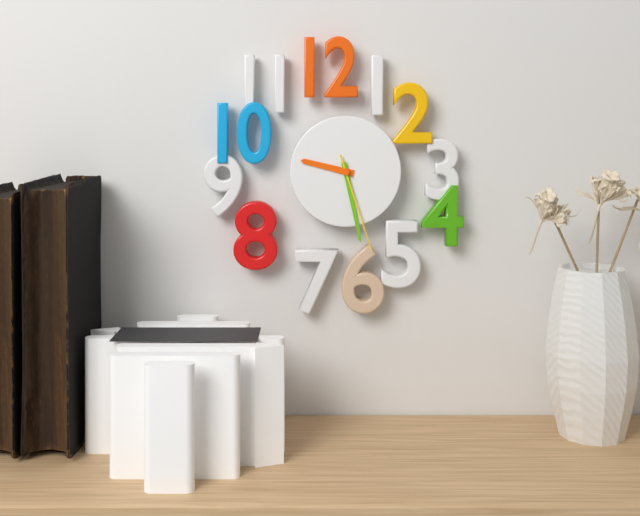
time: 9:28:27
